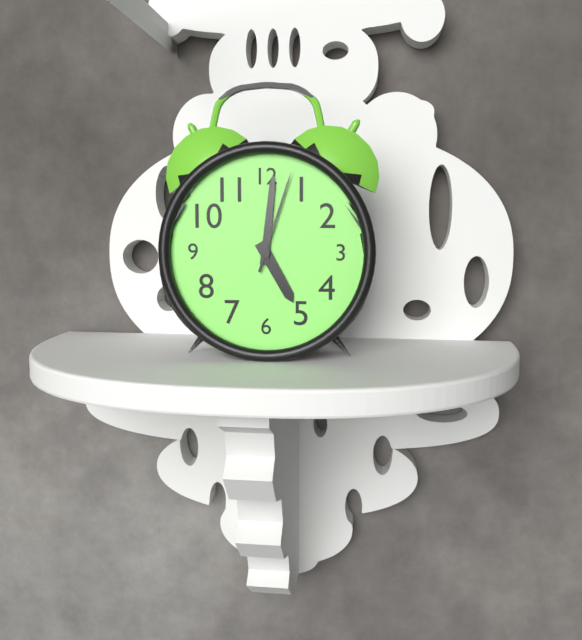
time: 5:01:03
